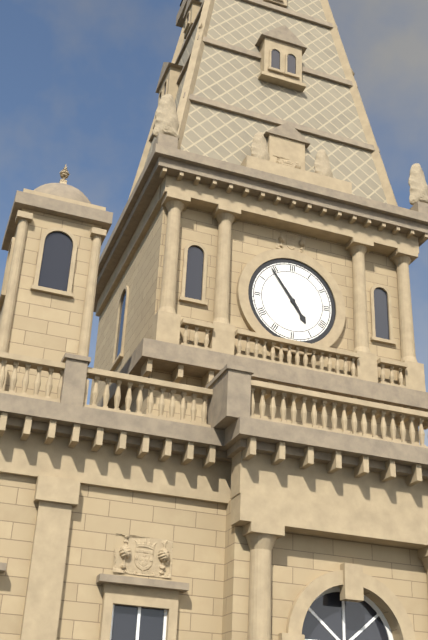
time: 4:54
